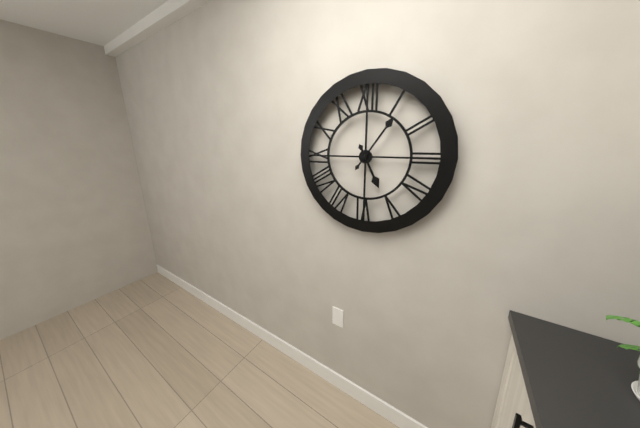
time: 5:06
